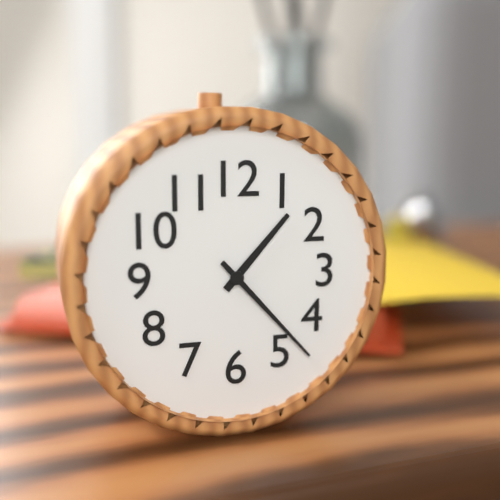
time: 1:23
